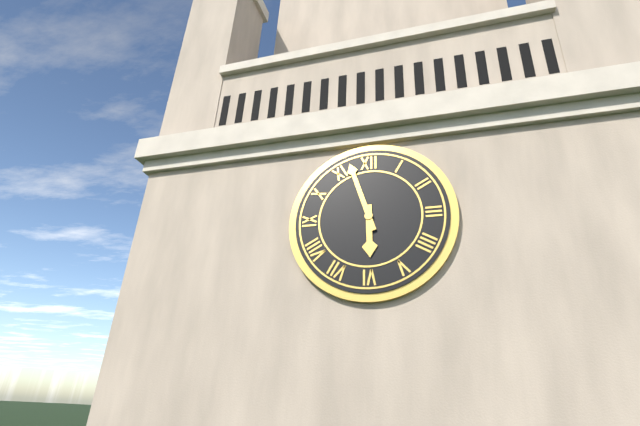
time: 5:57
